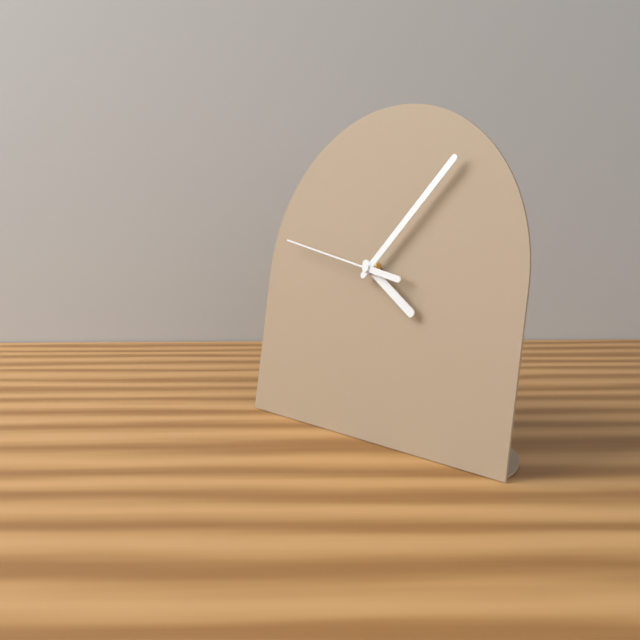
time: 4:07:47
